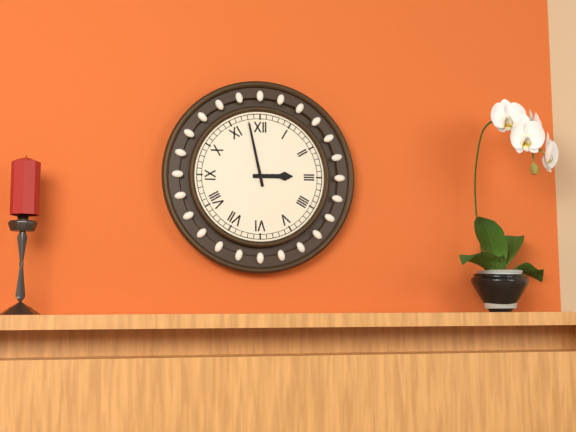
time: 2:58
